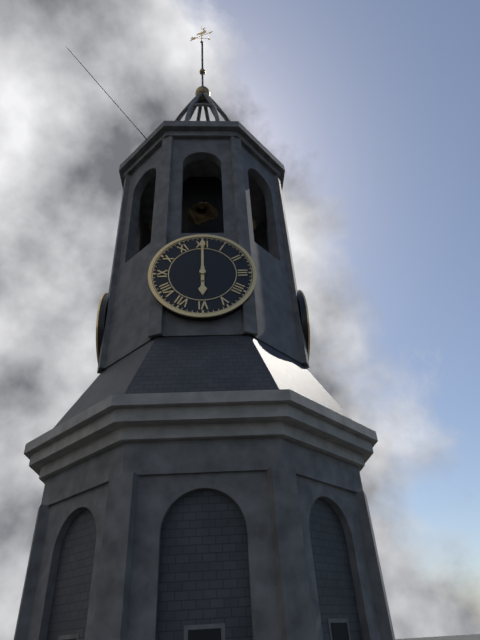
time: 6:00
